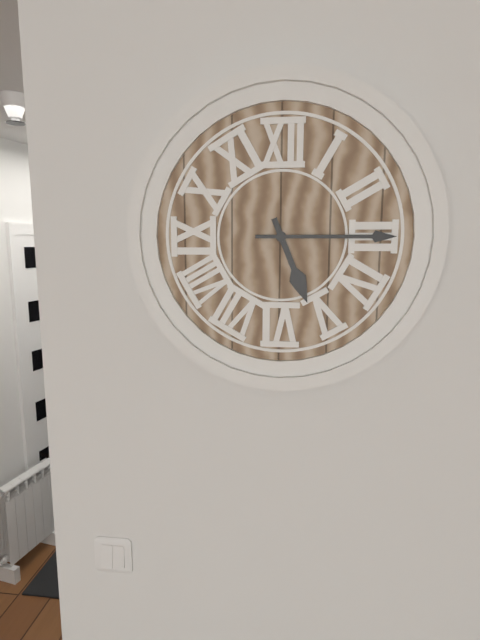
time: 5:15
